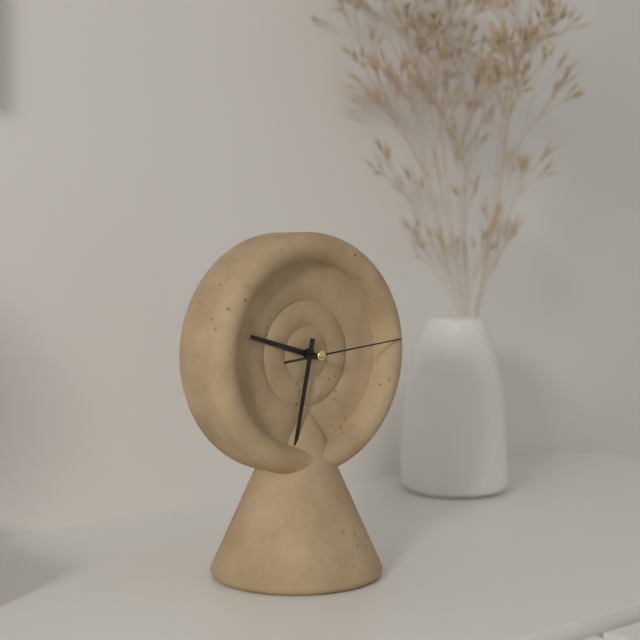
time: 9:32:14
